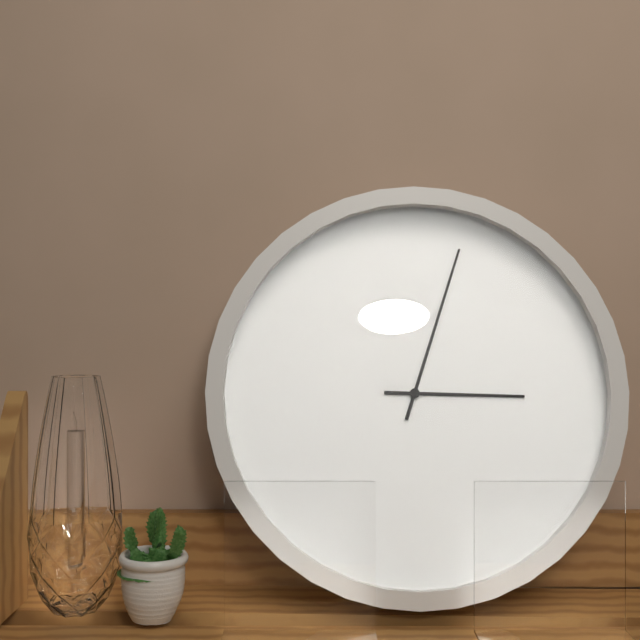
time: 3:03
